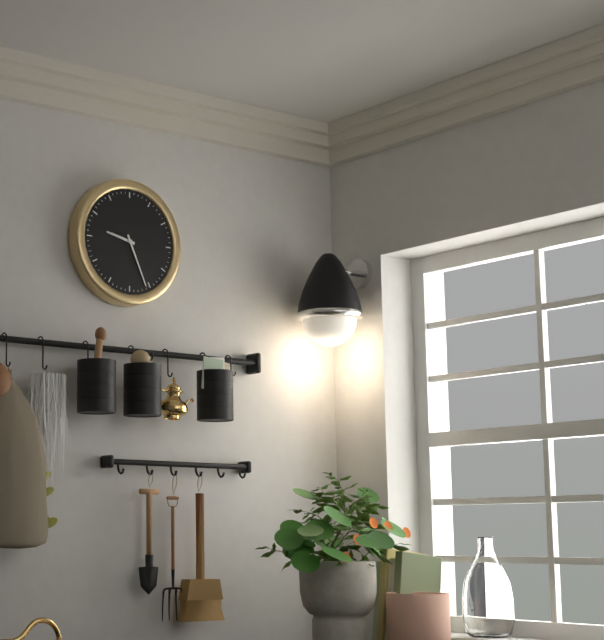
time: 9:26
